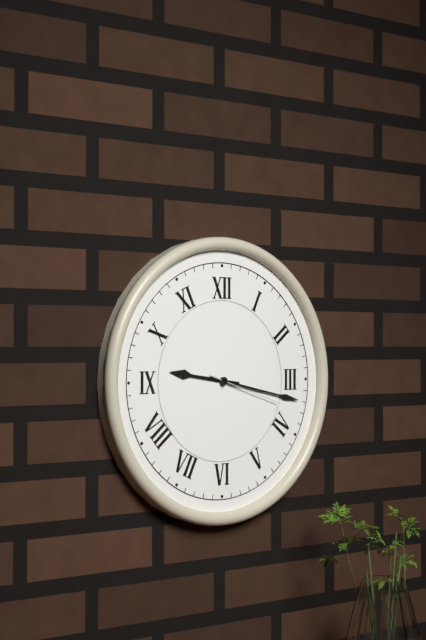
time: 9:17:18
